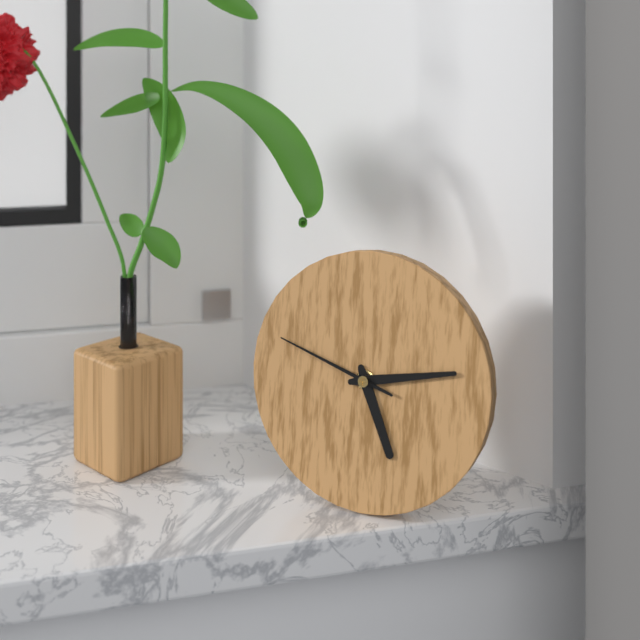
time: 5:13:48
